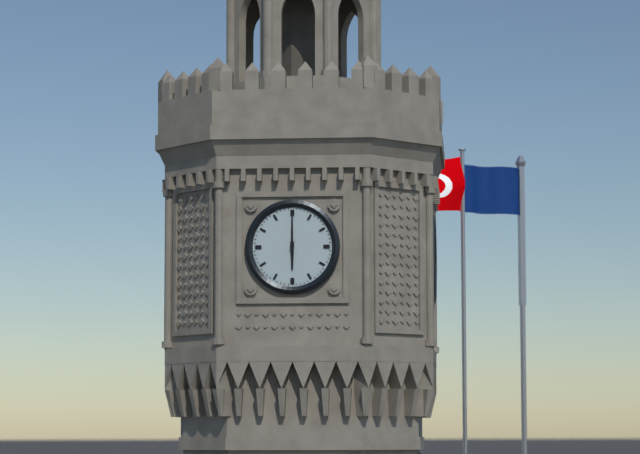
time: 6:00
